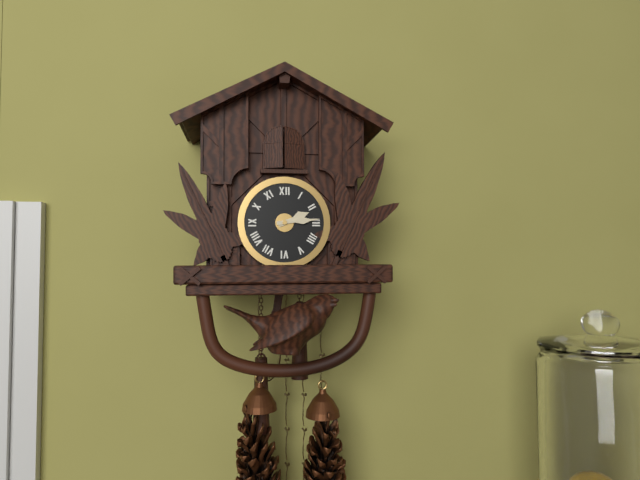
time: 2:14
